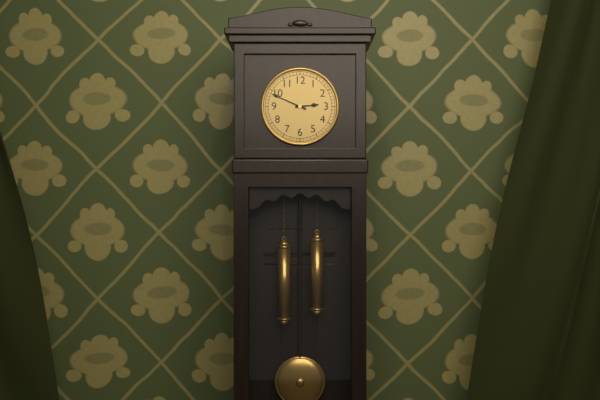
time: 2:49
